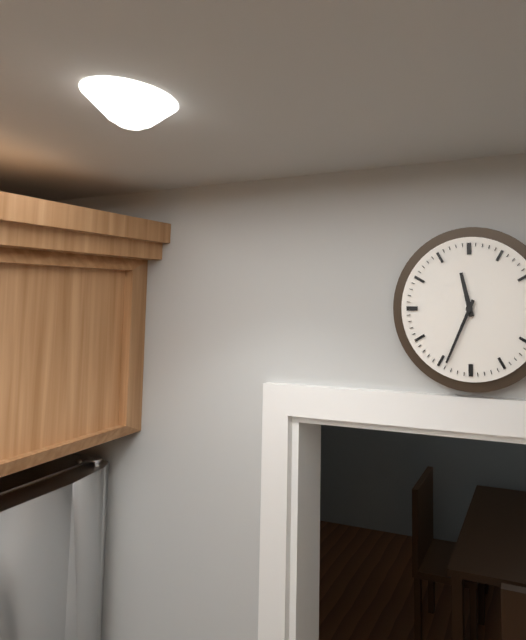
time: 11:34
